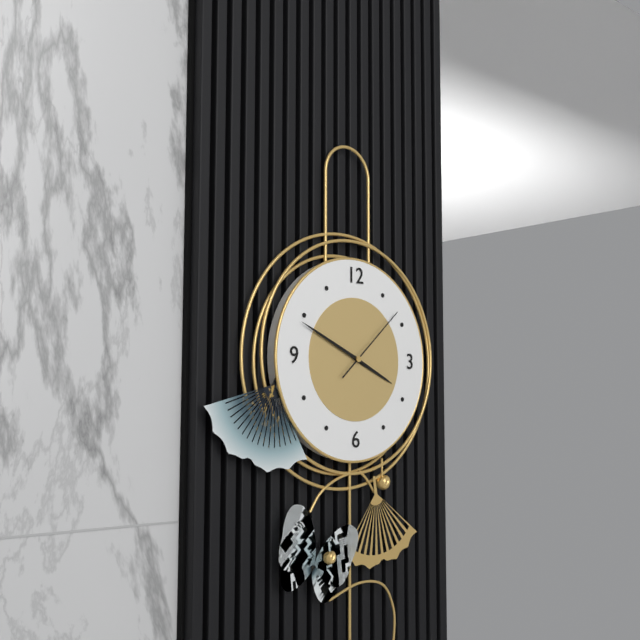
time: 3:49:08
